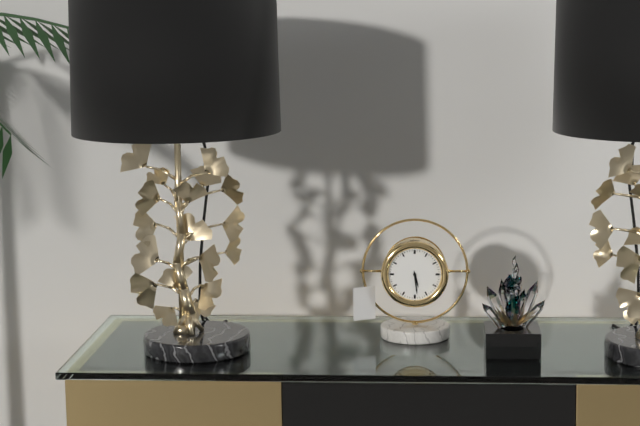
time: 5:29
